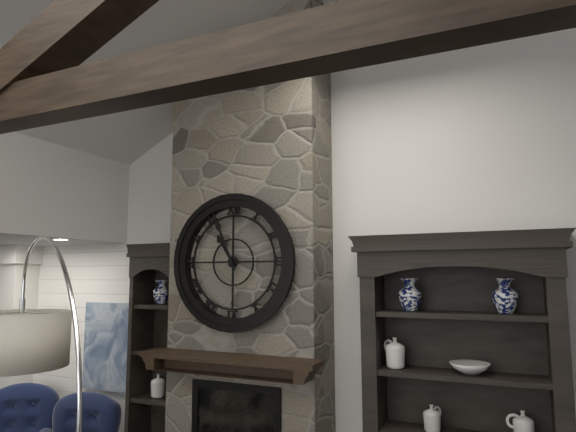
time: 10:56
